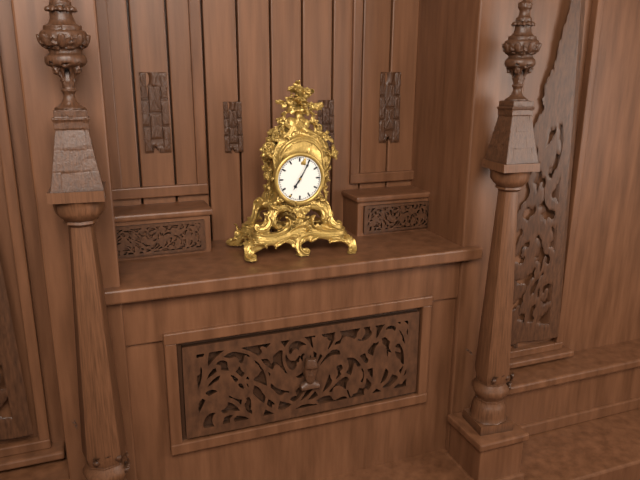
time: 7:05
